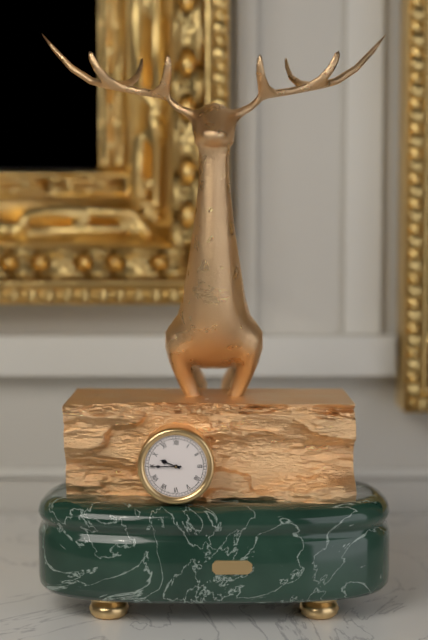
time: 9:45
